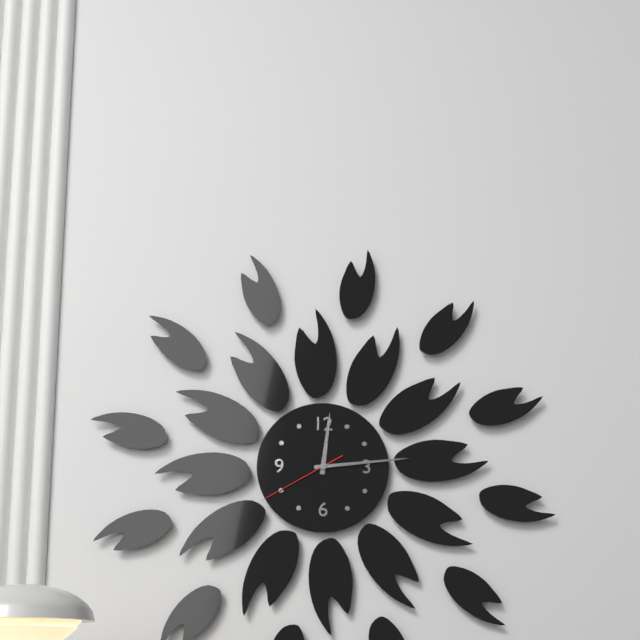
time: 12:14:40
